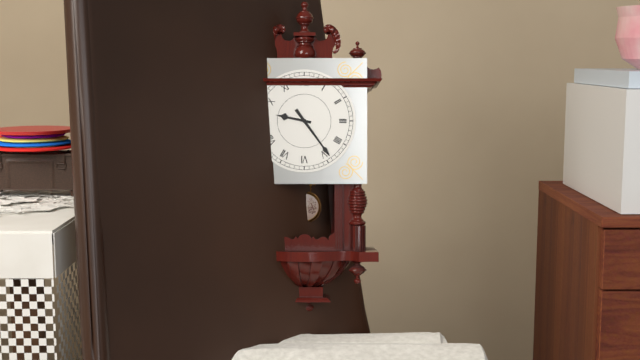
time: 9:24
